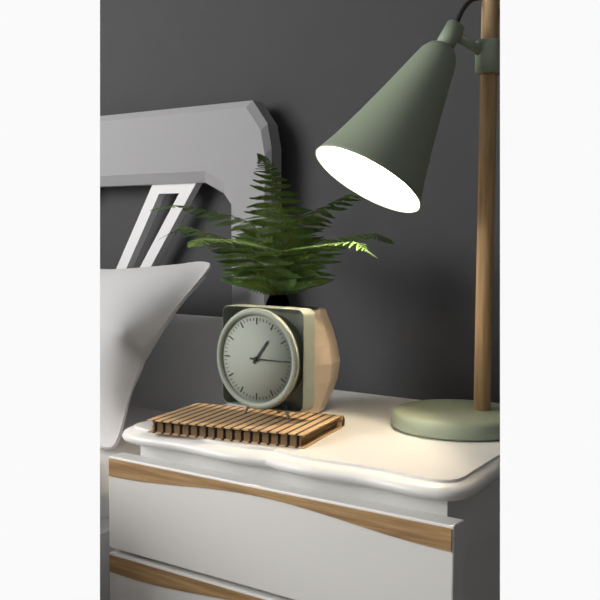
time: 1:15
